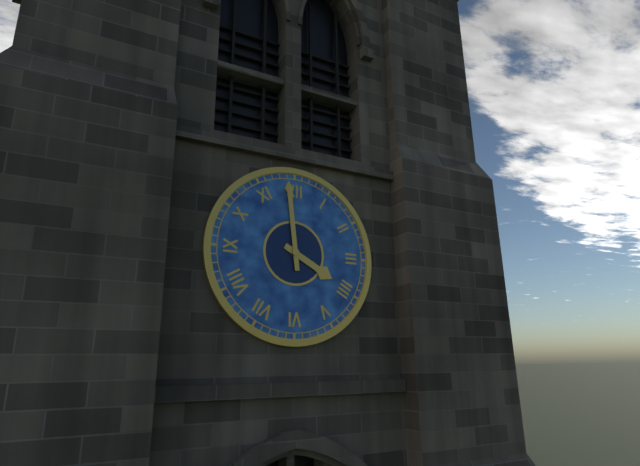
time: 3:59
